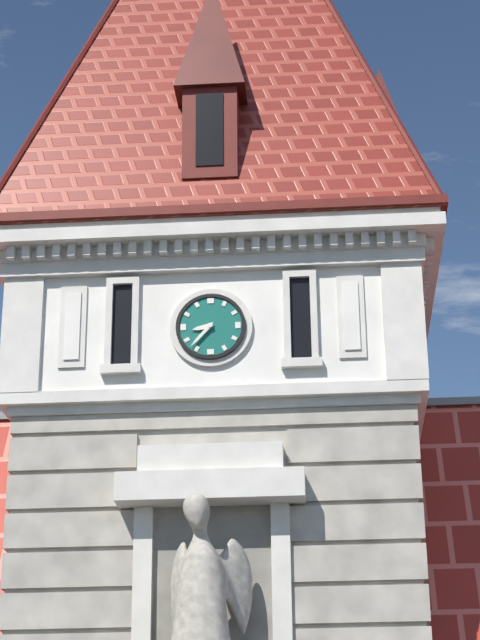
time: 8:37
